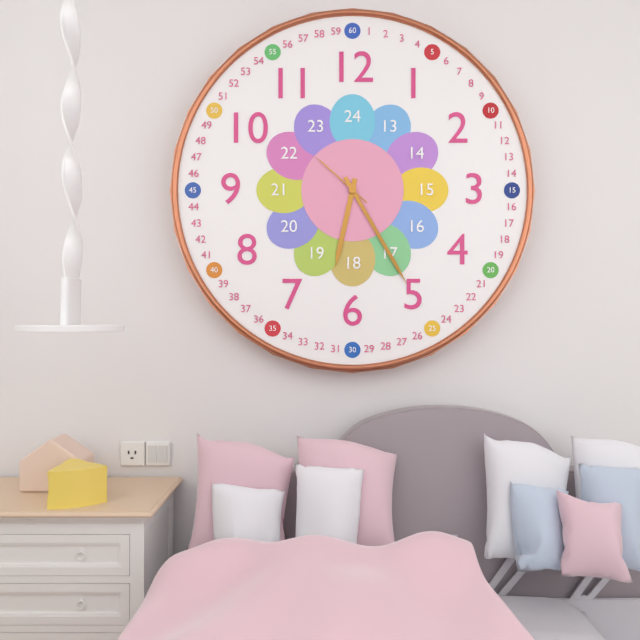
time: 6:25:52
